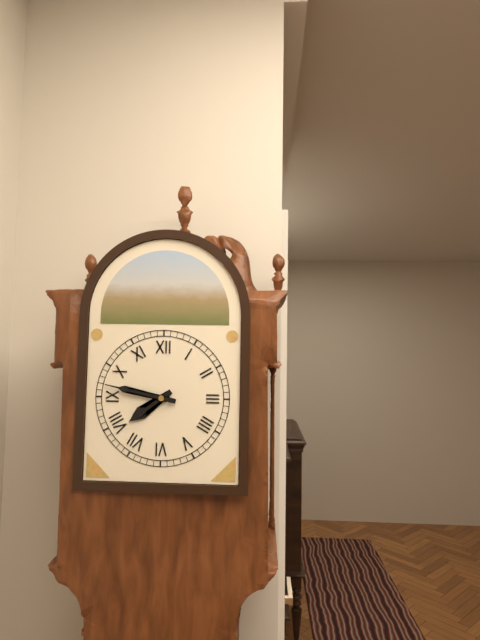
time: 7:47
